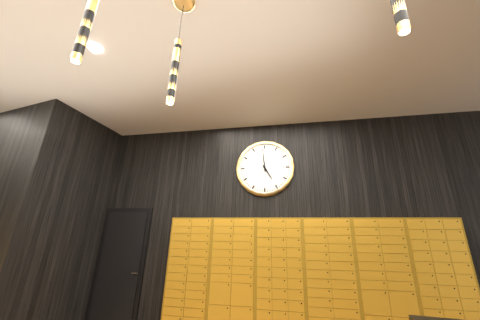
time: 4:59
